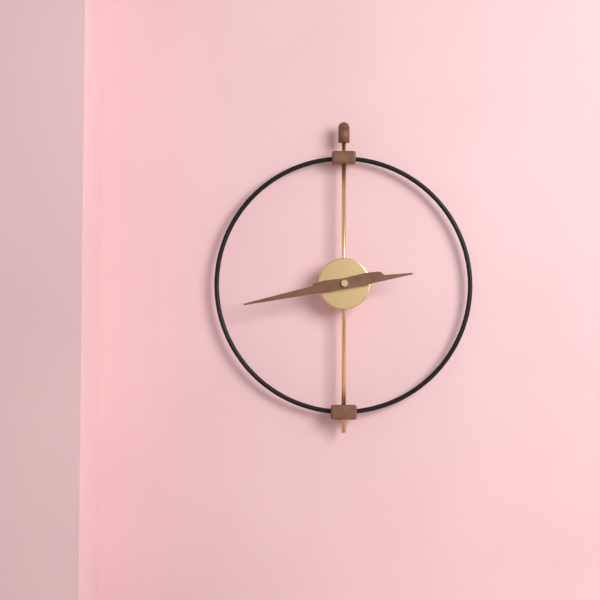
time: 2:43
